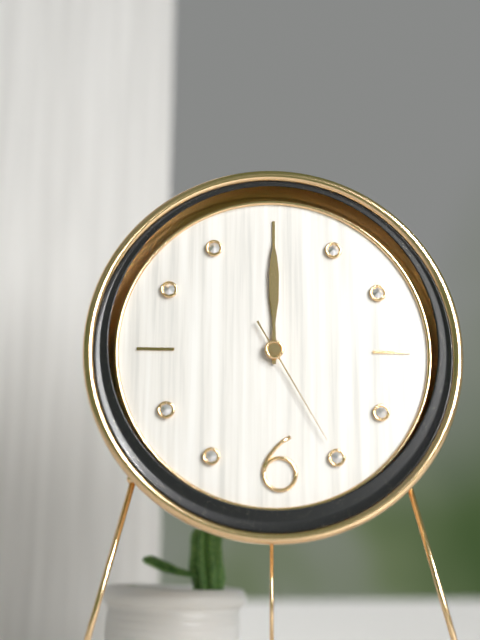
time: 12:00:25
